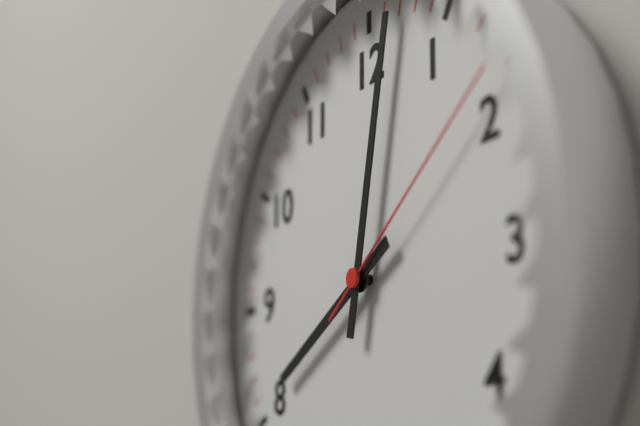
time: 8:02:09
